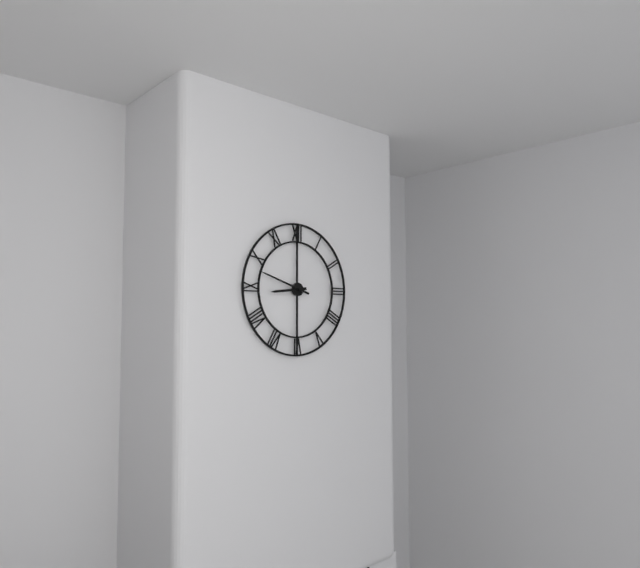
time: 8:48
